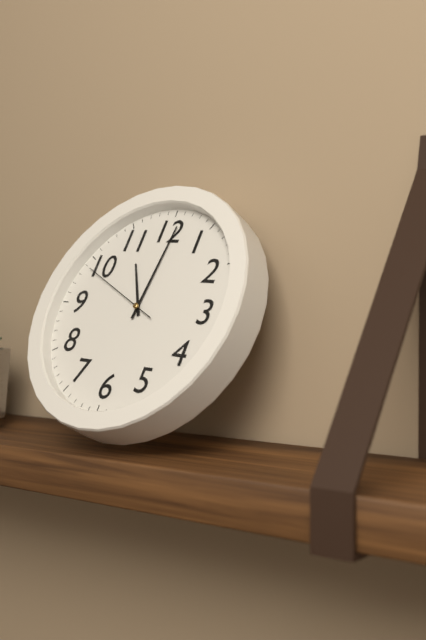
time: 11:01:49
